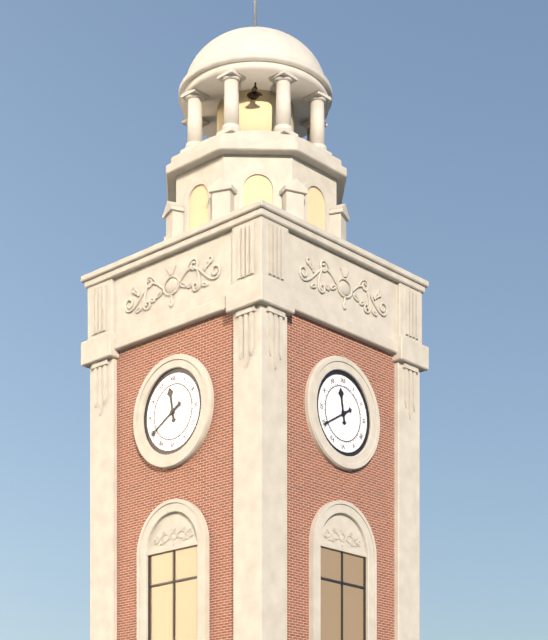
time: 11:40
